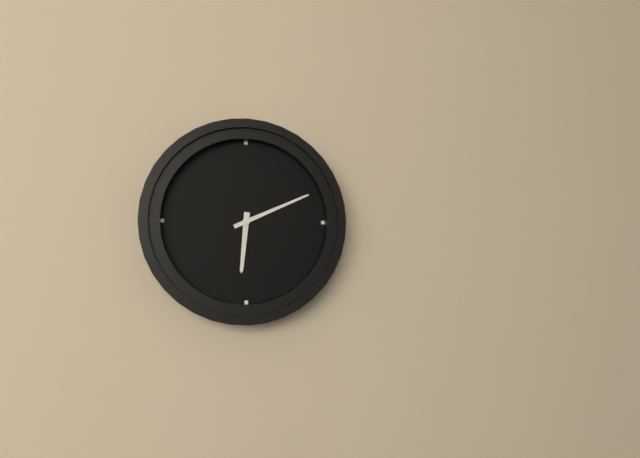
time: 6:11
